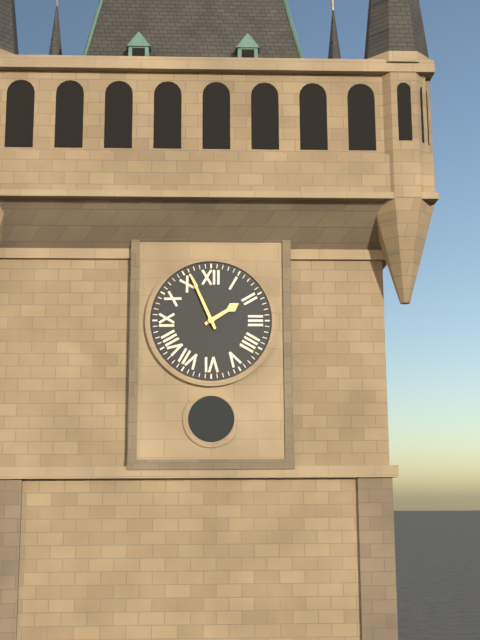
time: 1:56
